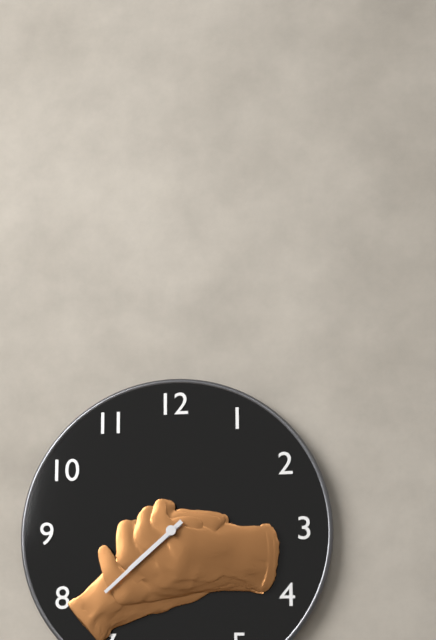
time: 7:38
